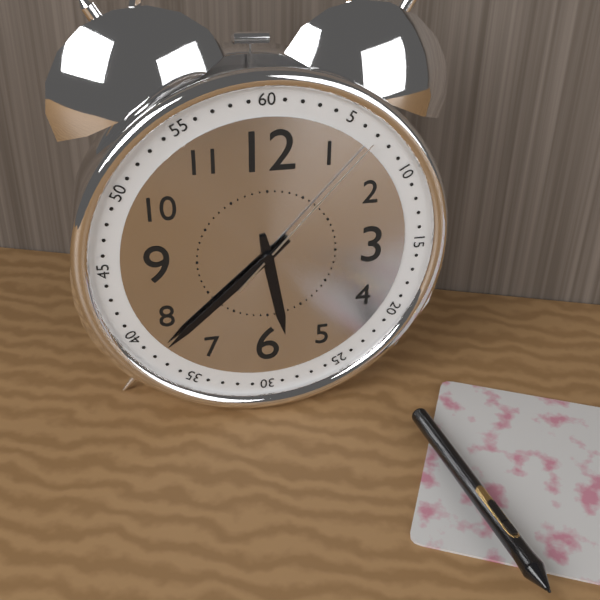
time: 5:38:07
